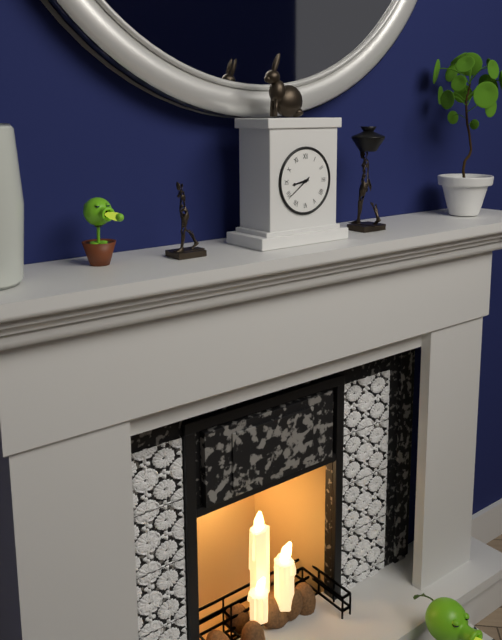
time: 8:39
